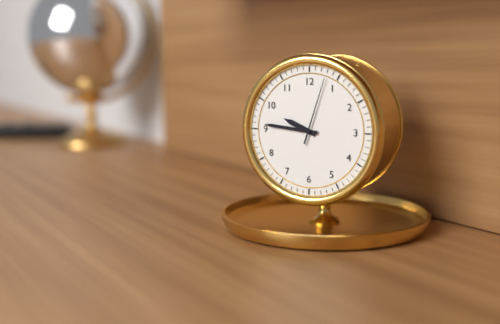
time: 9:46:03
